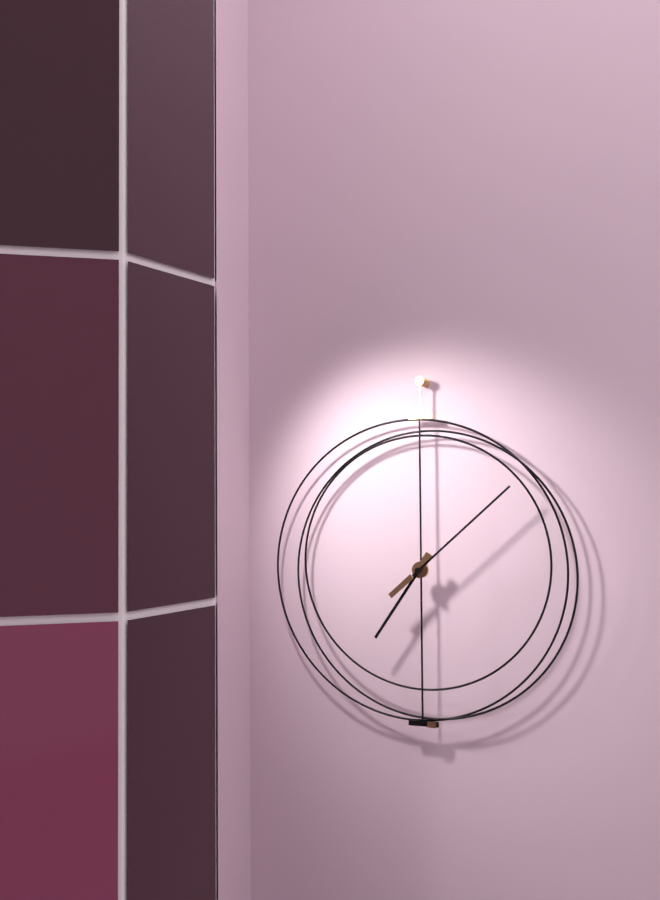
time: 7:08
